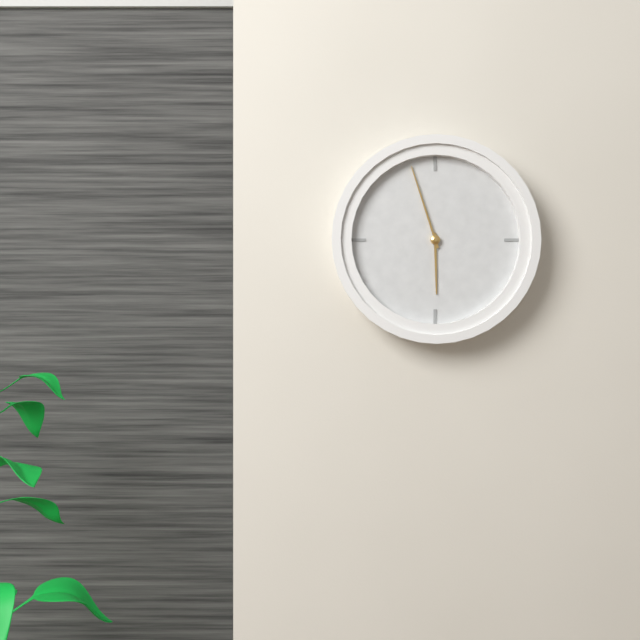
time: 5:57
